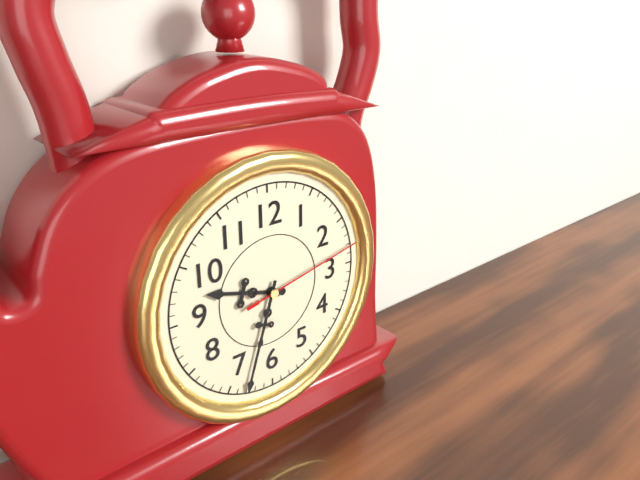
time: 9:33:13
